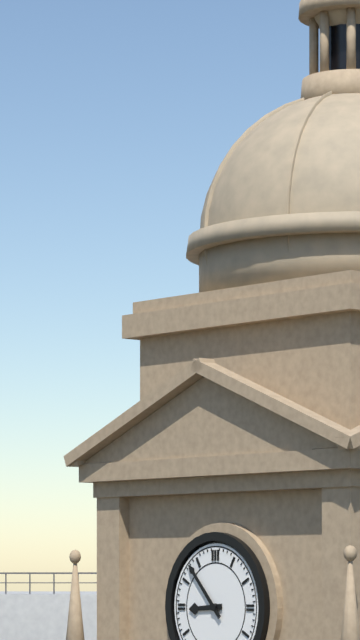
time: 8:53
